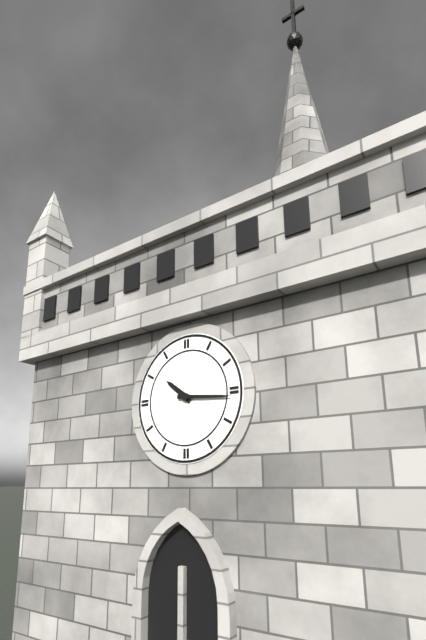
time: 10:16
